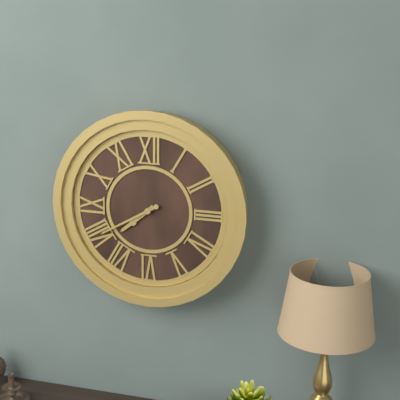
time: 7:40
